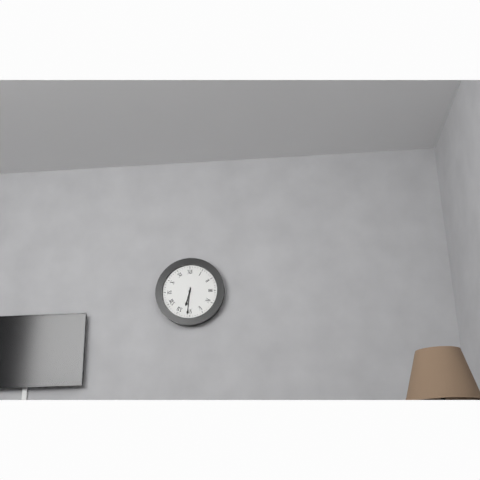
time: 6:31
